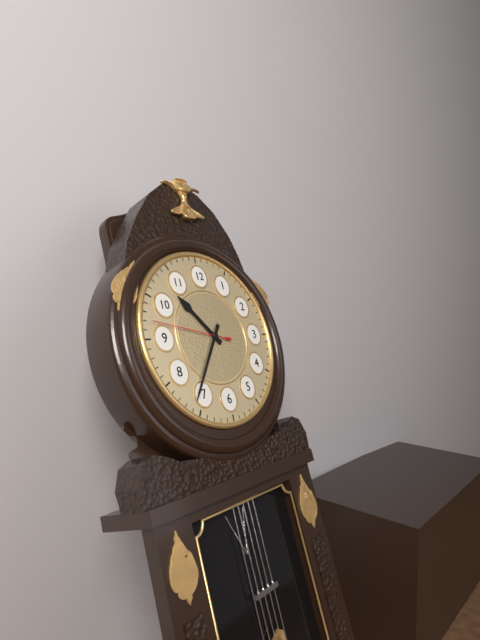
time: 10:36
